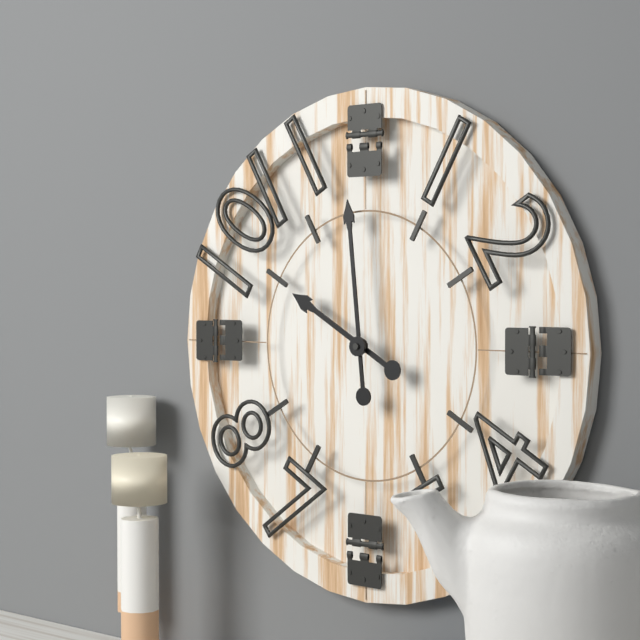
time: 9:59
